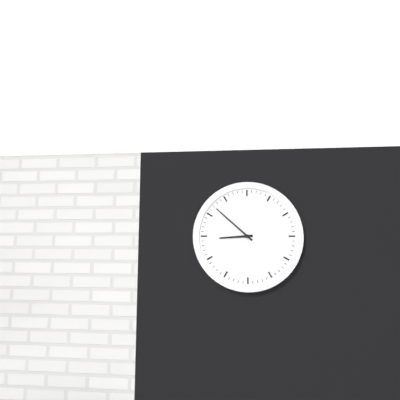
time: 8:52
